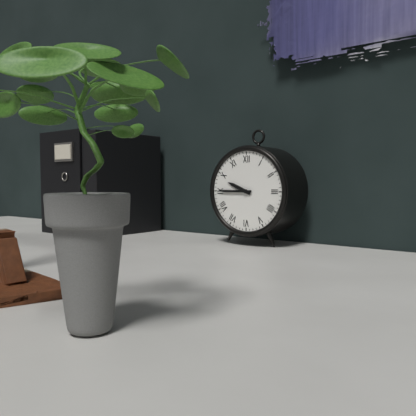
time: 9:45
